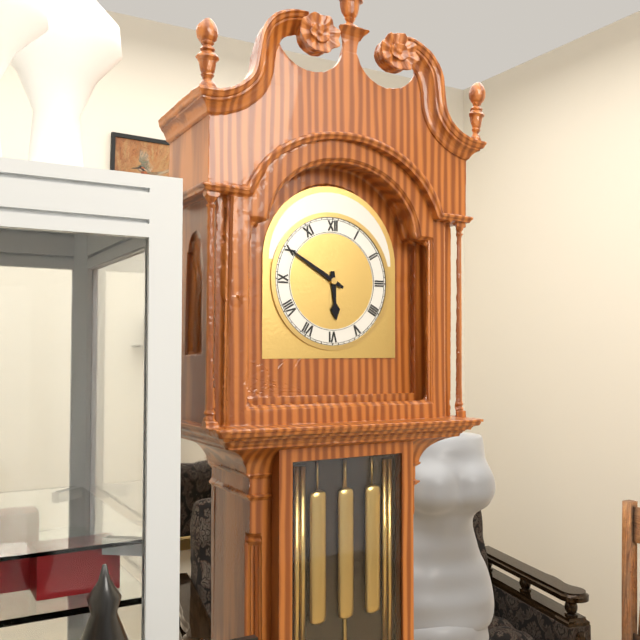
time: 5:50
